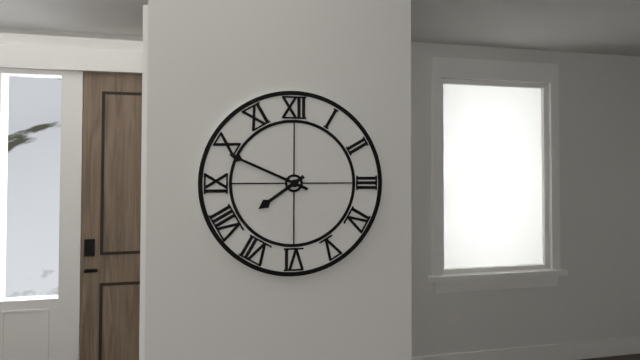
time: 7:49
